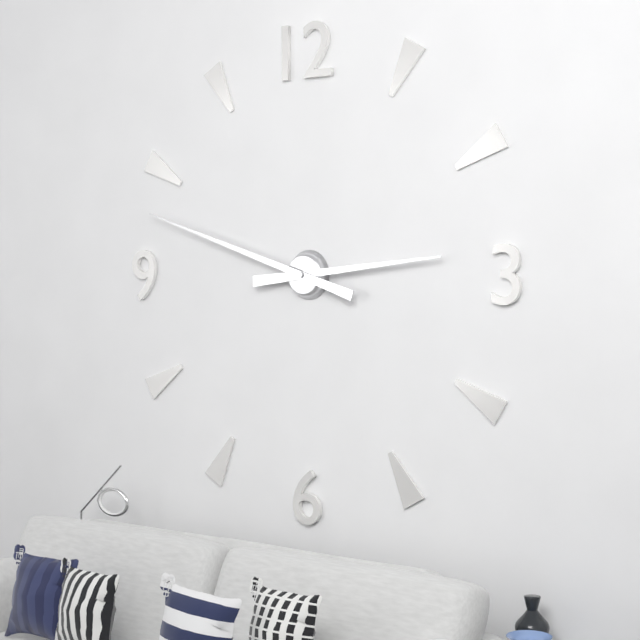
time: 2:48
